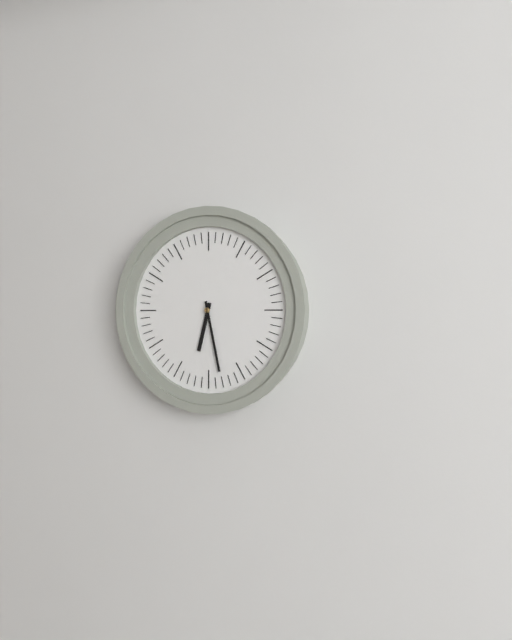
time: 6:28
